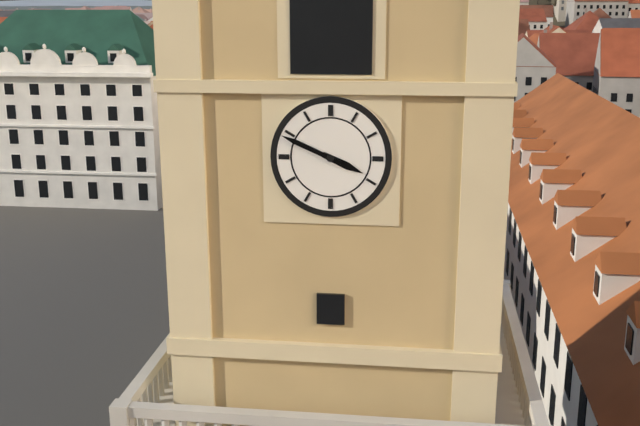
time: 3:49
